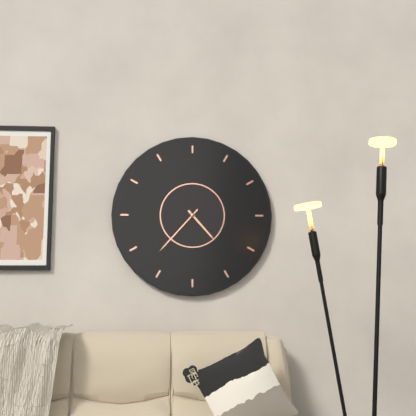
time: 4:37
